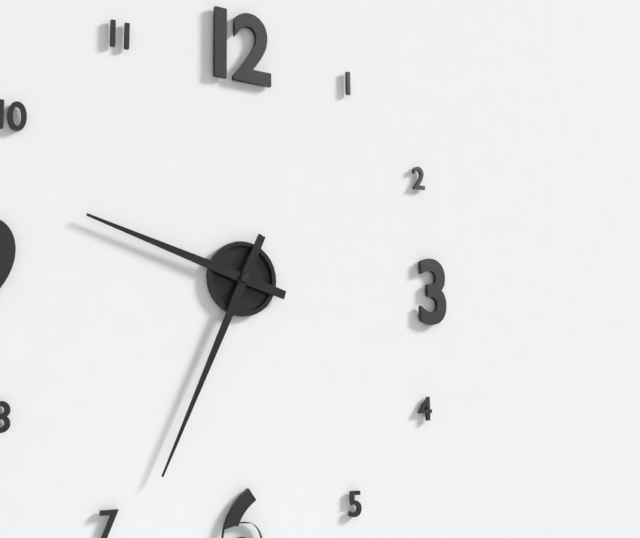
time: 9:34
